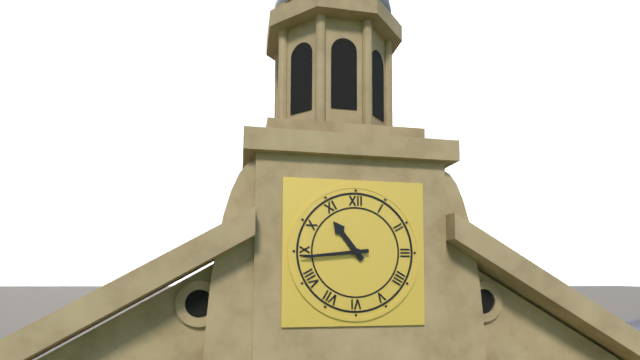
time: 10:44
